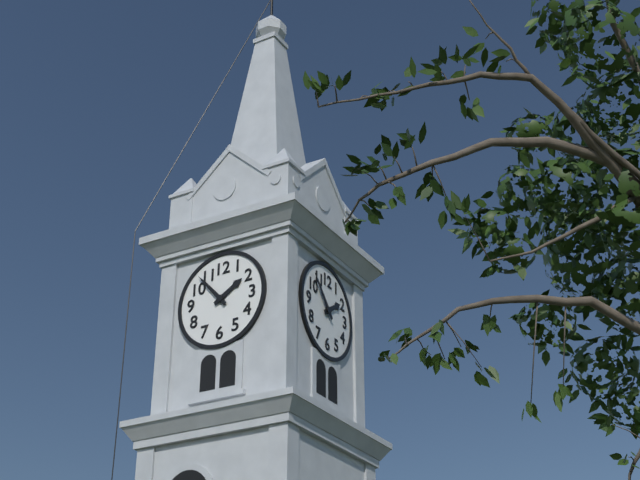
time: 1:53
